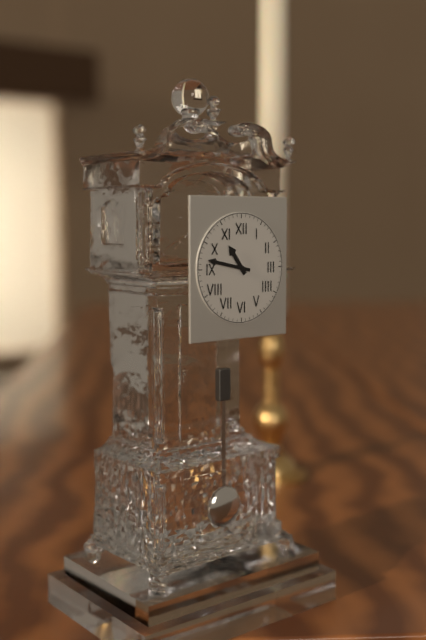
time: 10:47
